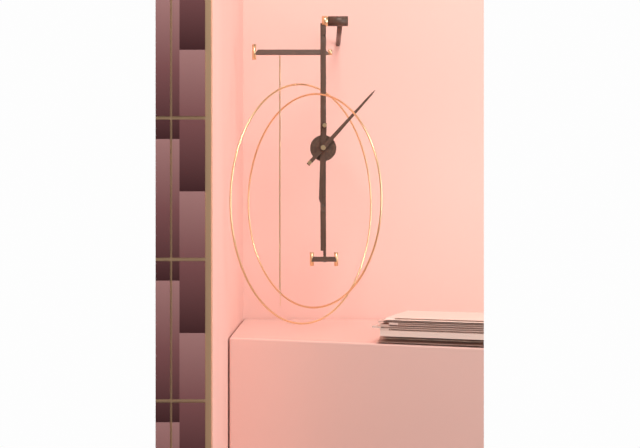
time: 6:07
